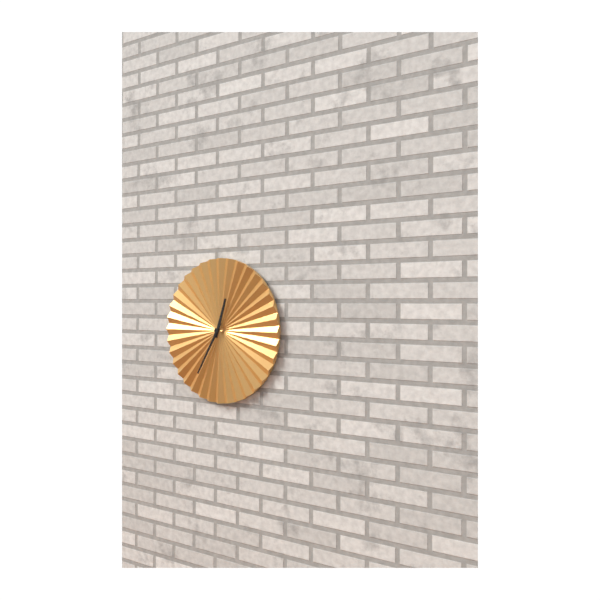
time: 12:35
